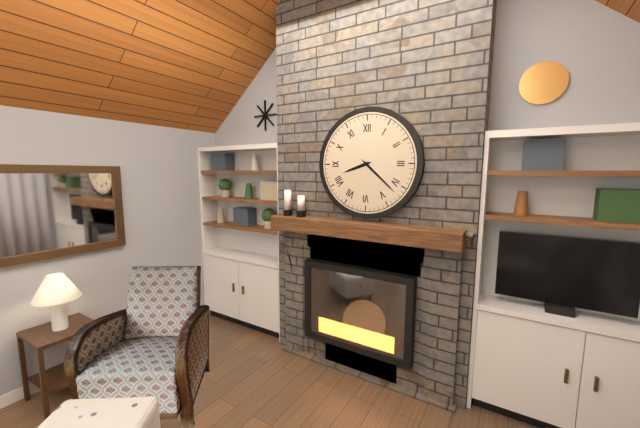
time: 8:22
